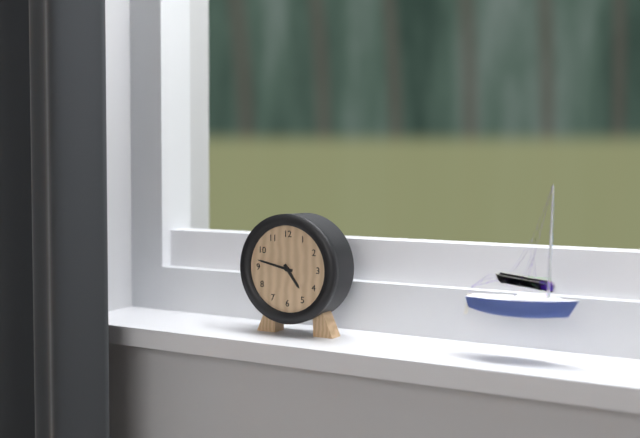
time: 4:47
